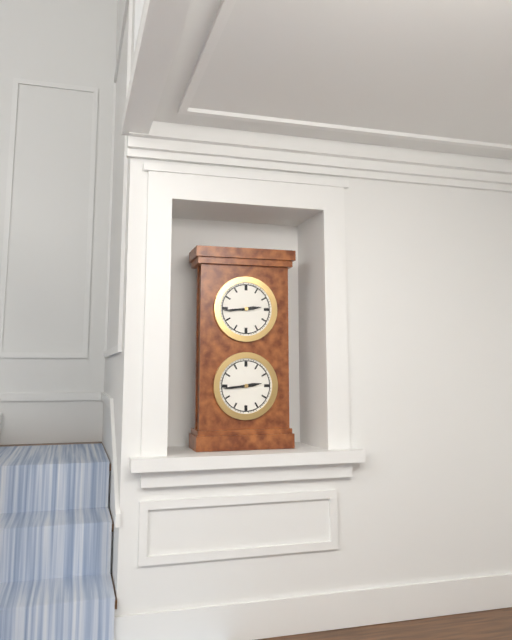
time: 2:44
